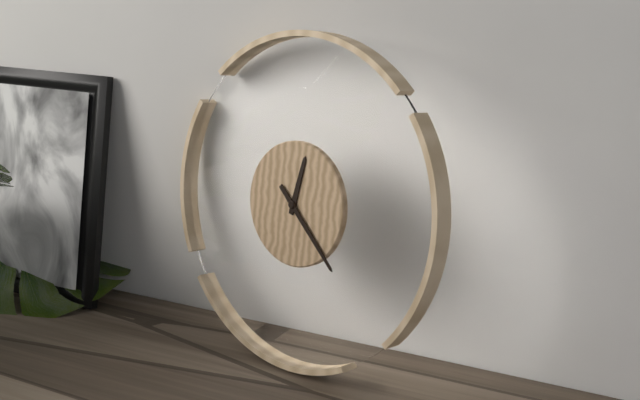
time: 12:22
